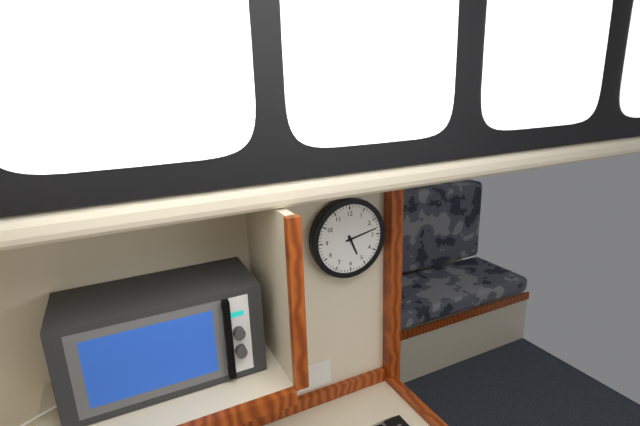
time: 5:13
